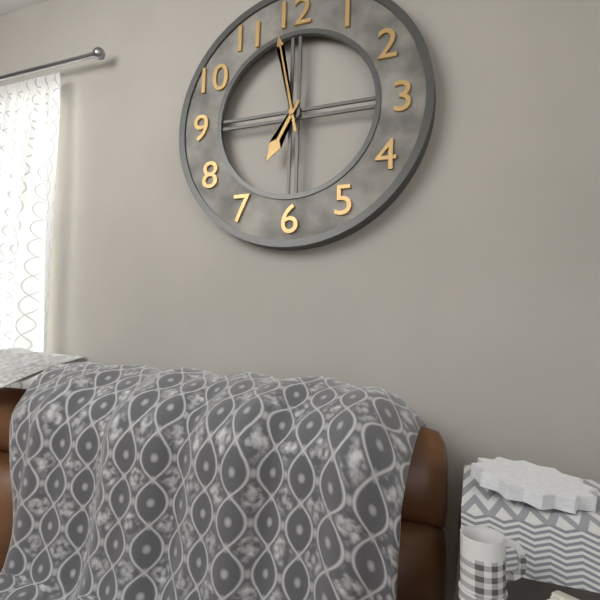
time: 6:58
